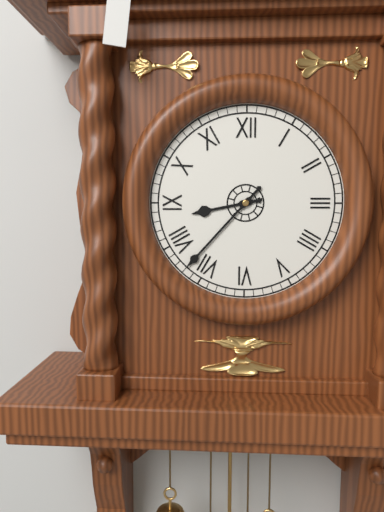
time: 8:37
